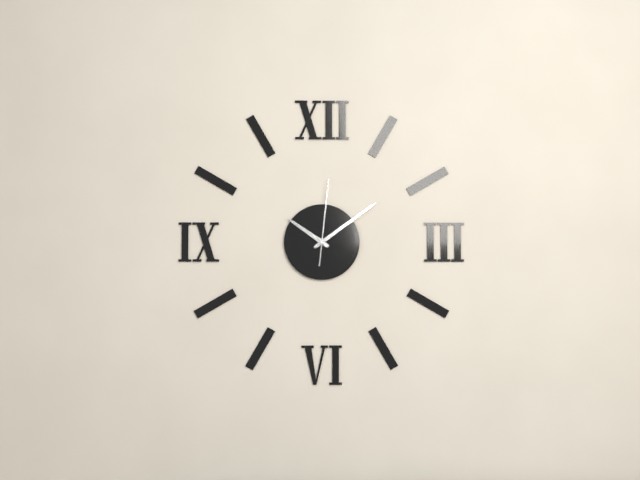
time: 10:09:01
